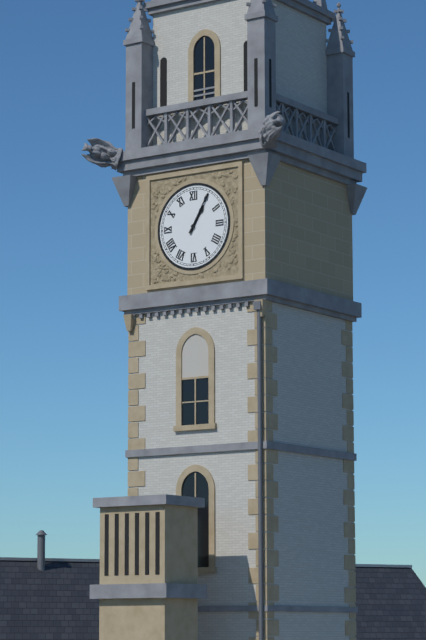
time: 1:05
